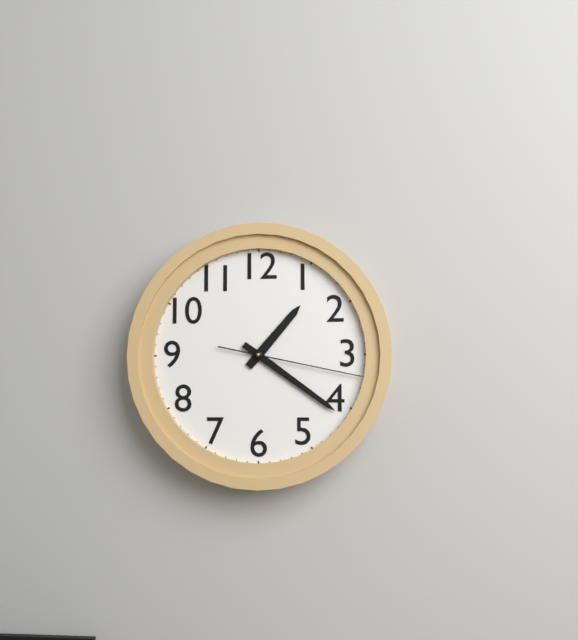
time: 1:21:17
